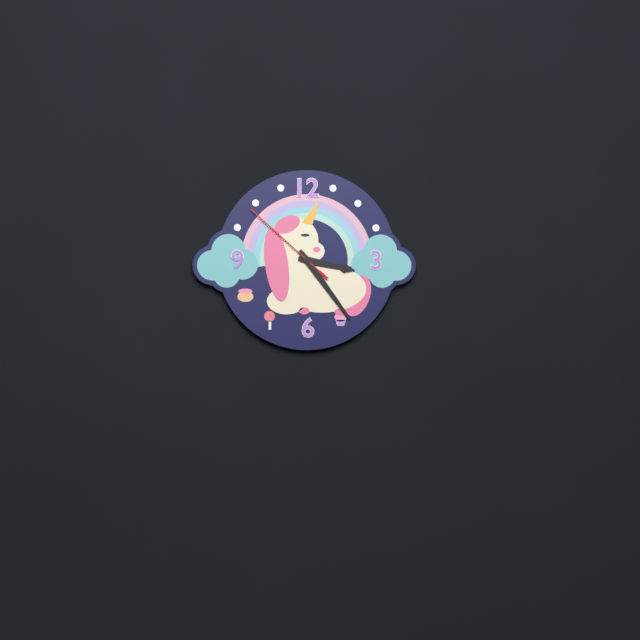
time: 3:24:52
